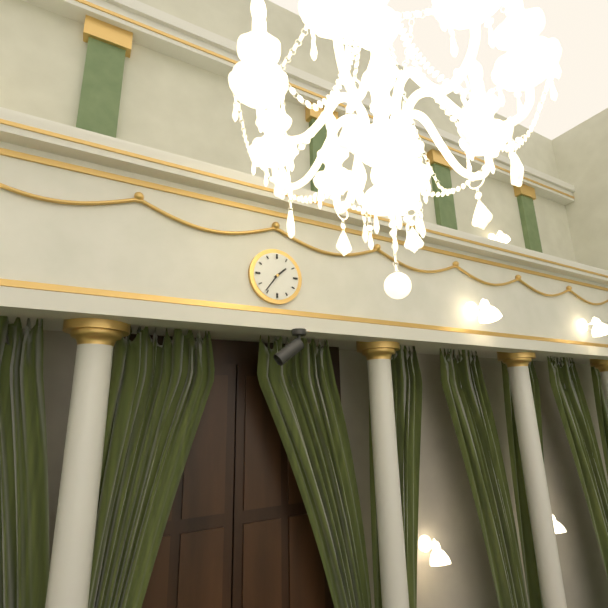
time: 1:36
